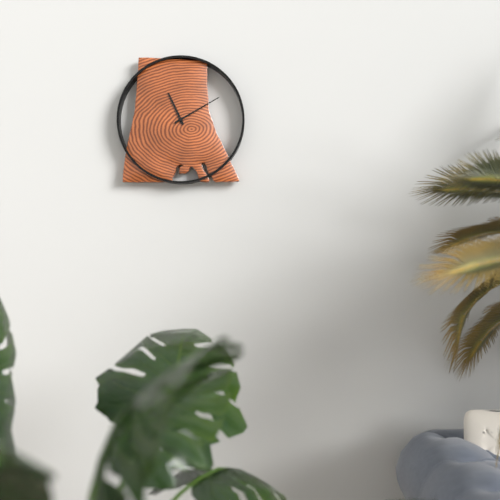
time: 11:10
